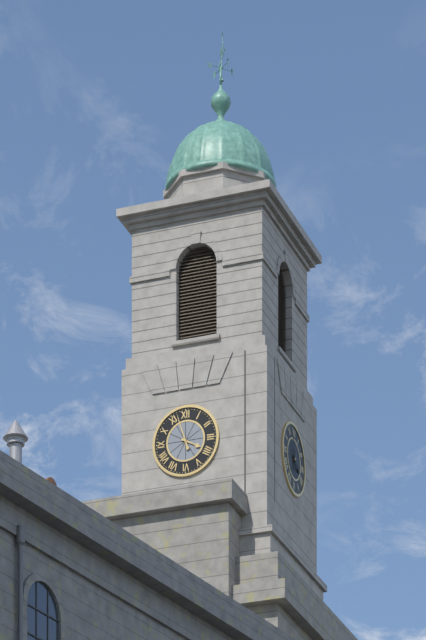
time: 3:57
